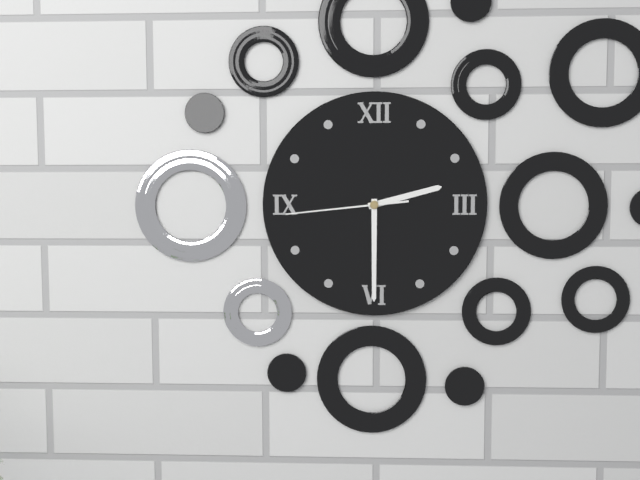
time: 2:30:44
